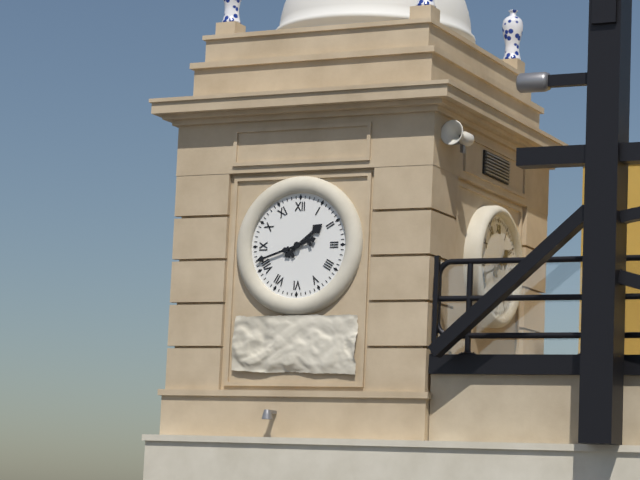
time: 1:42
